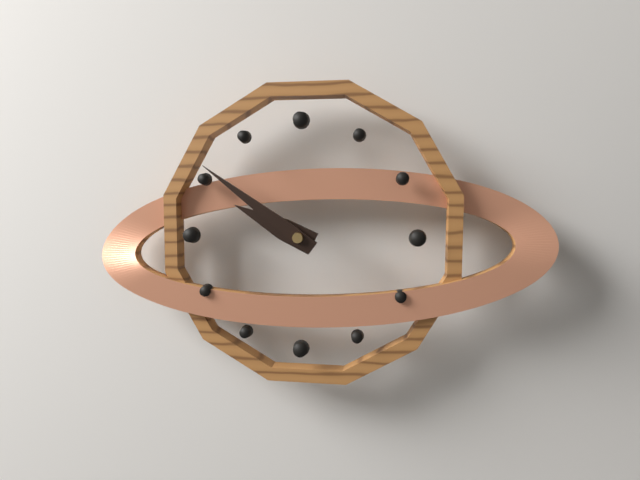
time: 9:51
